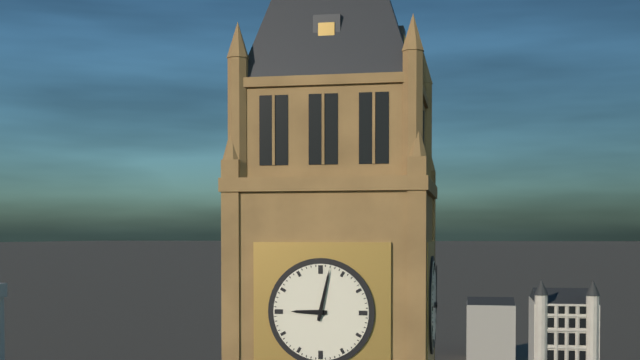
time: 9:02
